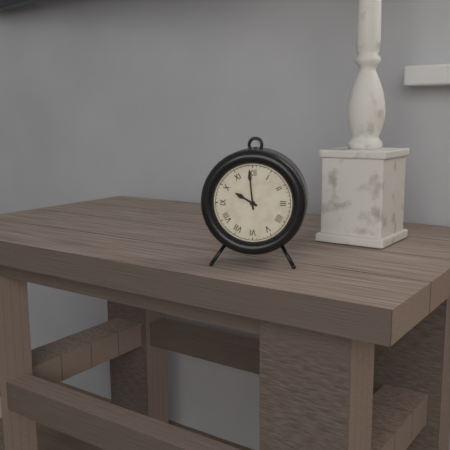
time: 9:59
